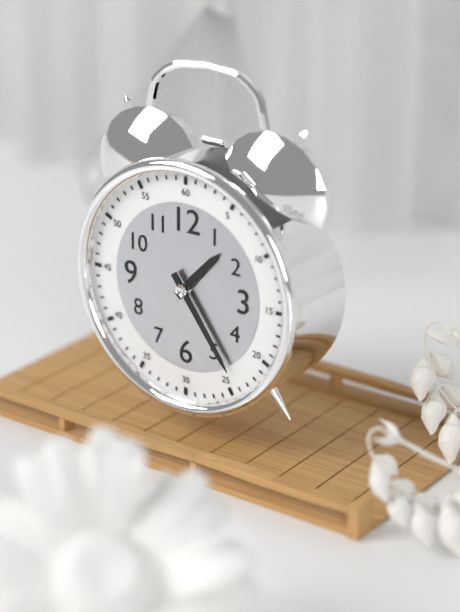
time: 1:24
